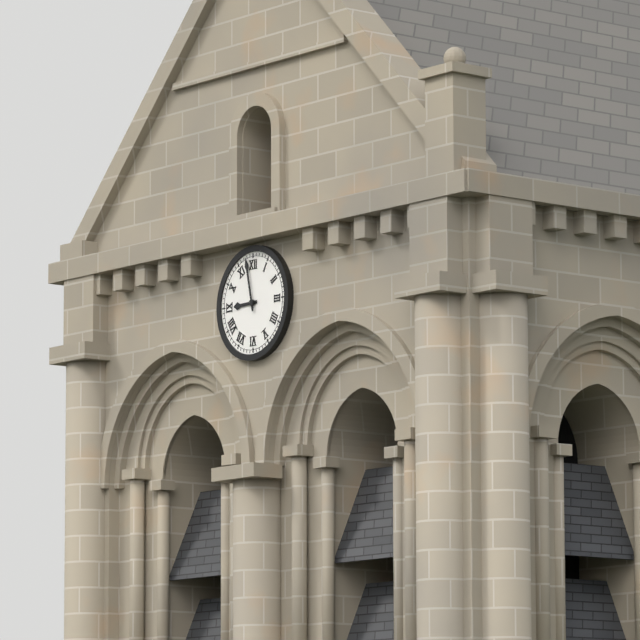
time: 8:58
